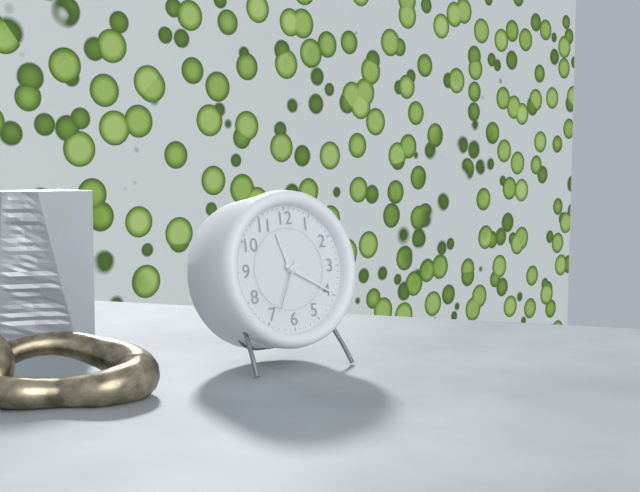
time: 11:20:34
